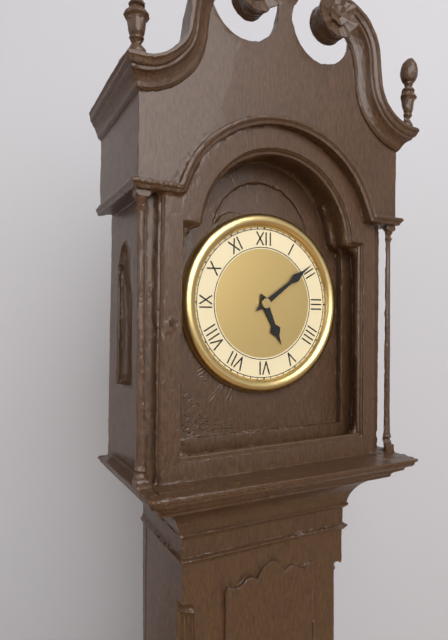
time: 5:09
